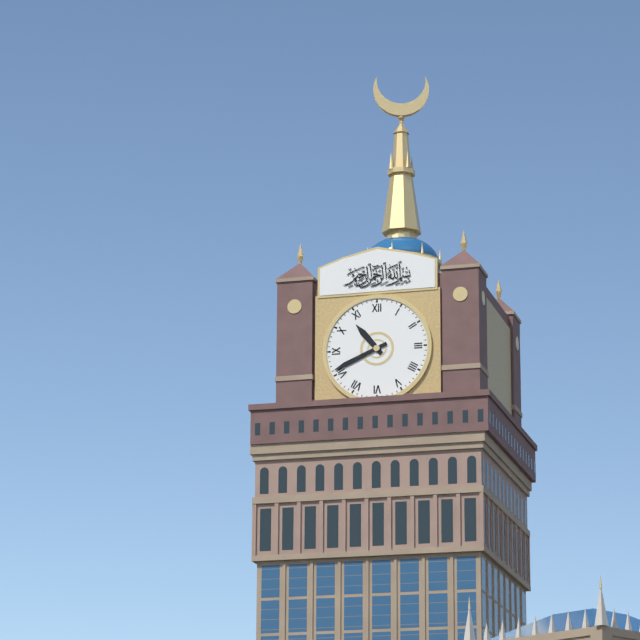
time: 10:41
